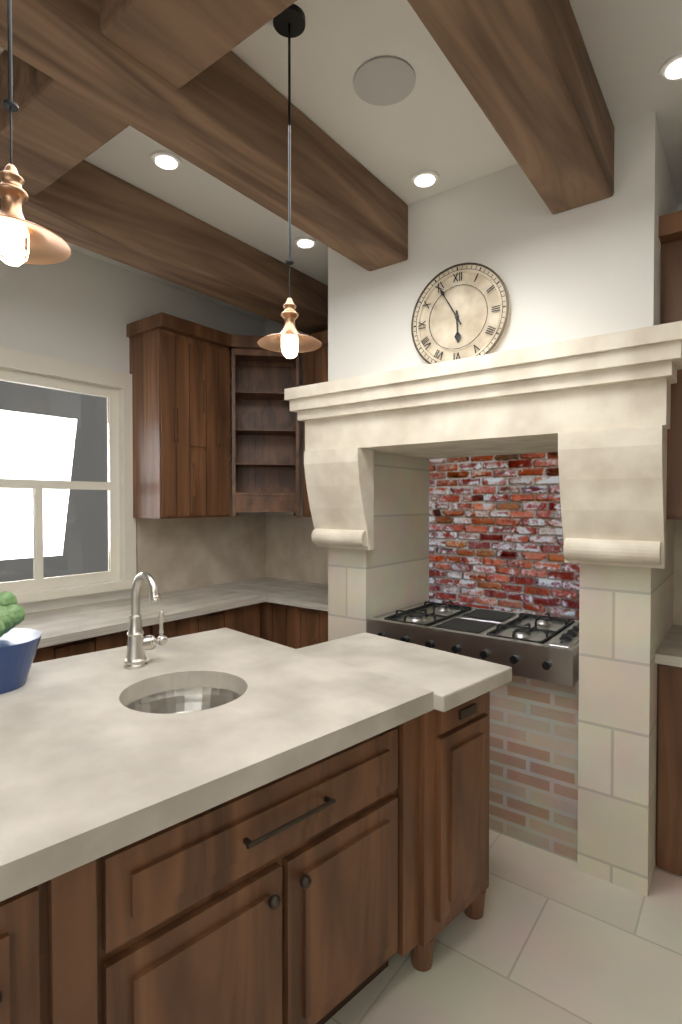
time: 5:55
